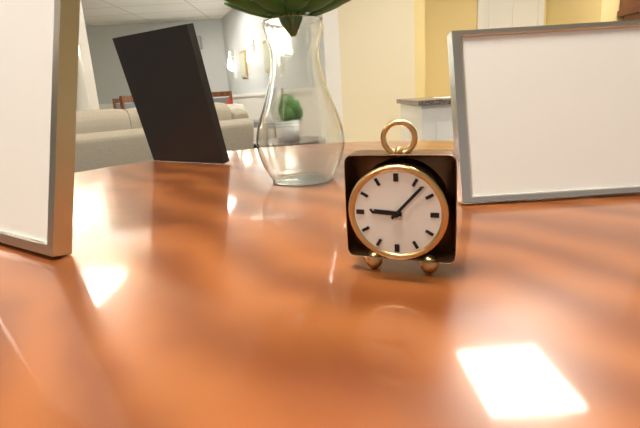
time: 9:07
